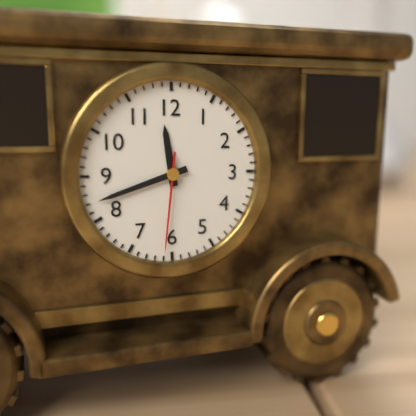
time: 11:42:31
